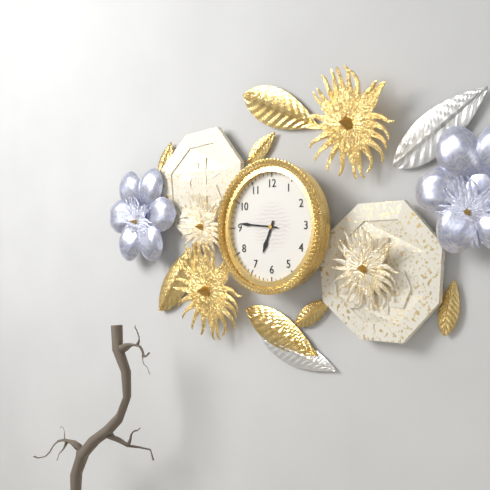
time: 6:46
